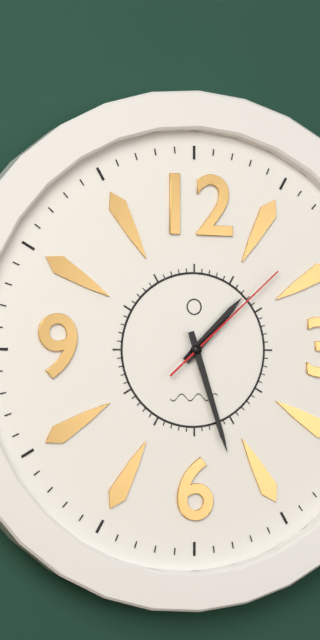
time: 1:27:08
